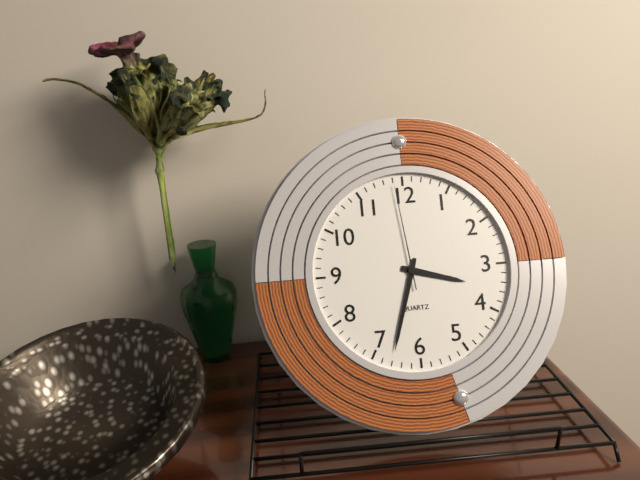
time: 3:33:59
